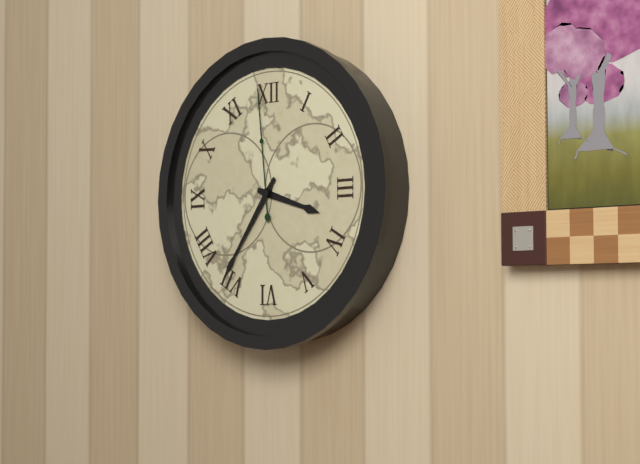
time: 3:36:59
